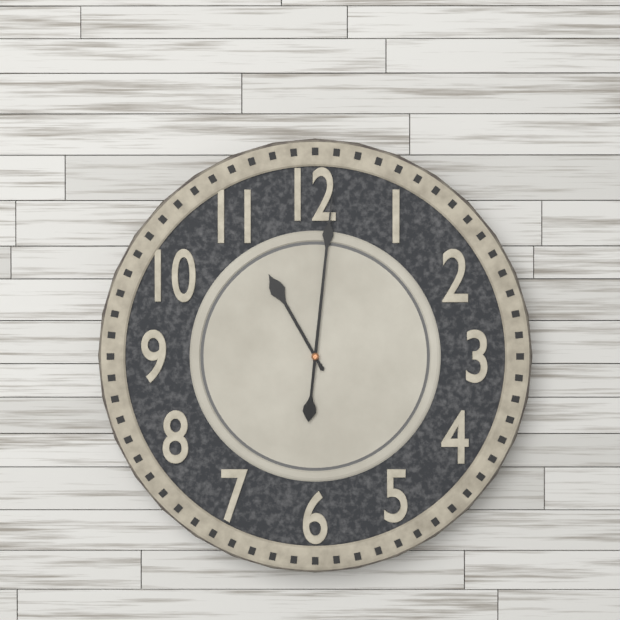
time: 11:01
